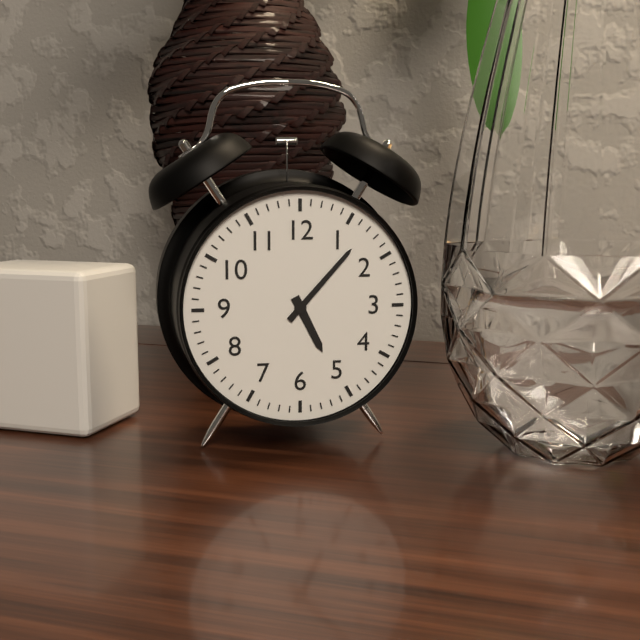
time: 5:07
